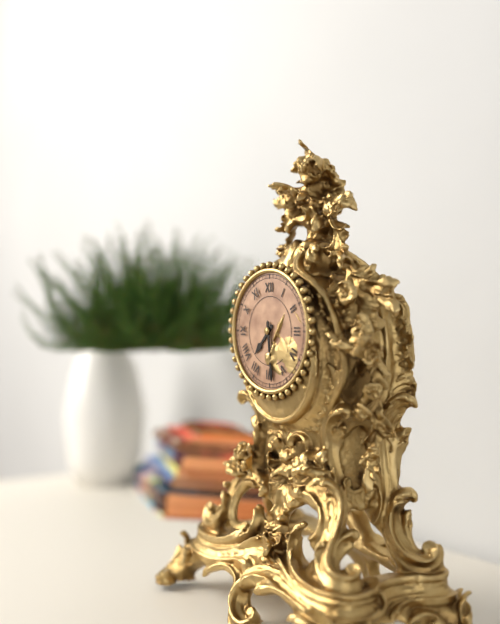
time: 7:29
